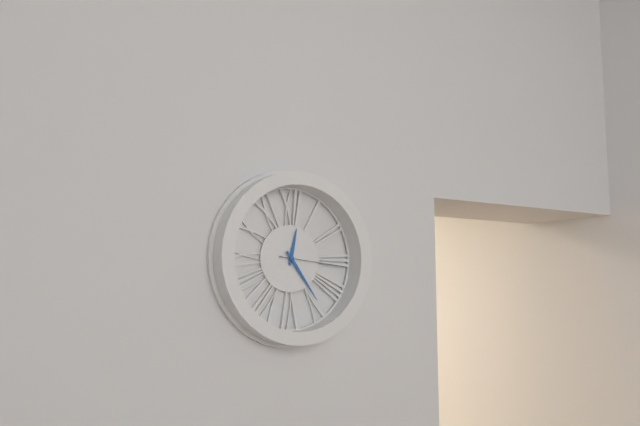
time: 12:24:16
